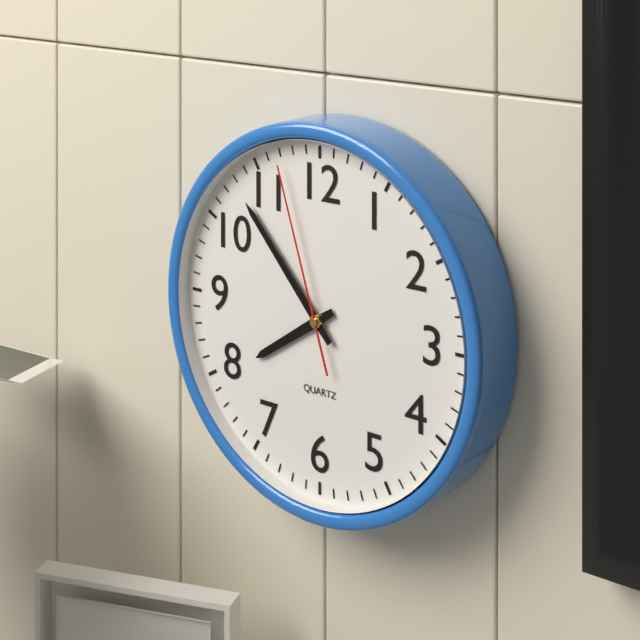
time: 7:53:57
